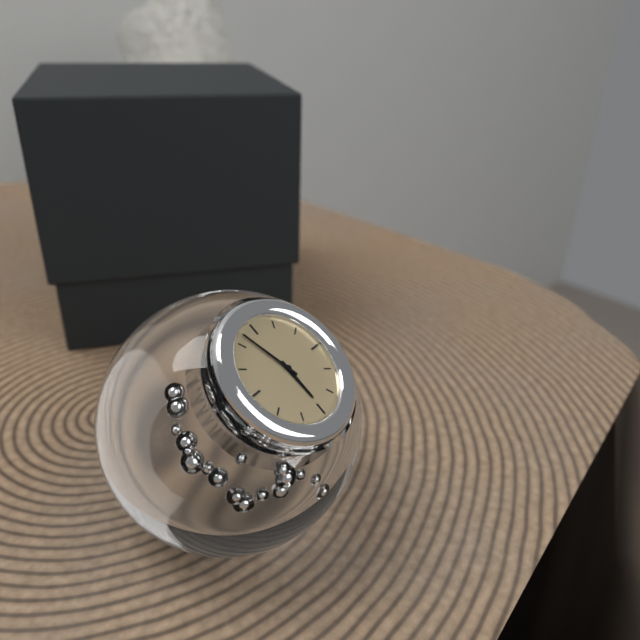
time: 5:57
